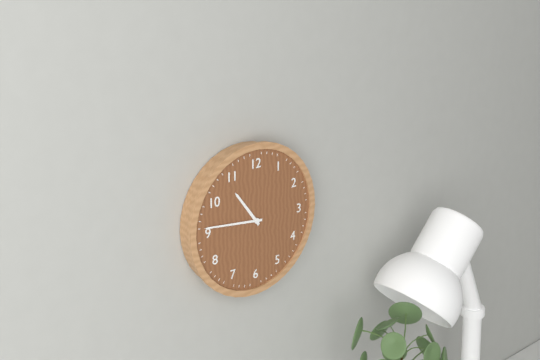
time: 10:46
